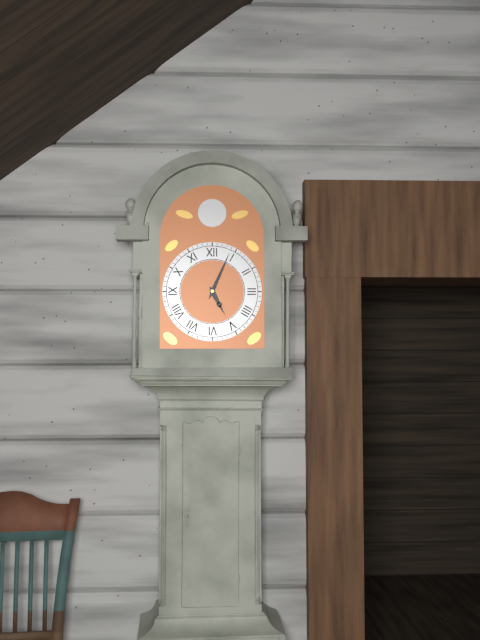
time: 5:04
